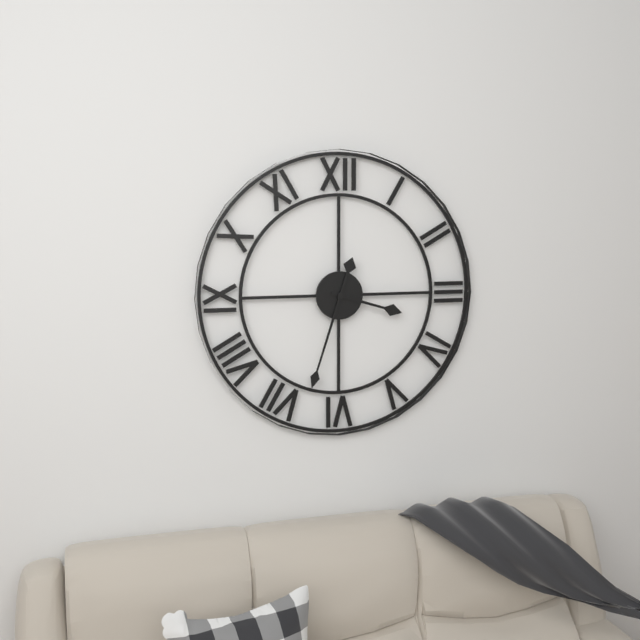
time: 3:33
